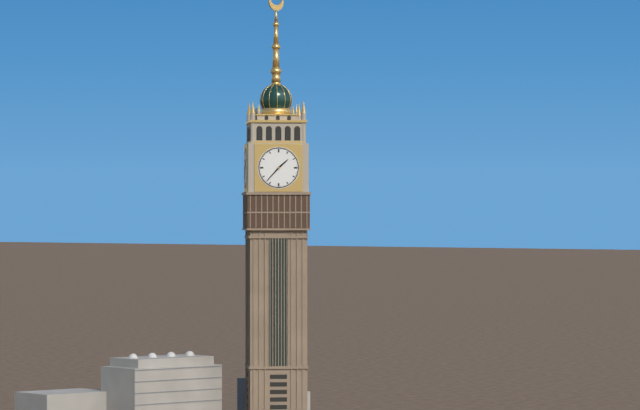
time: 1:37
